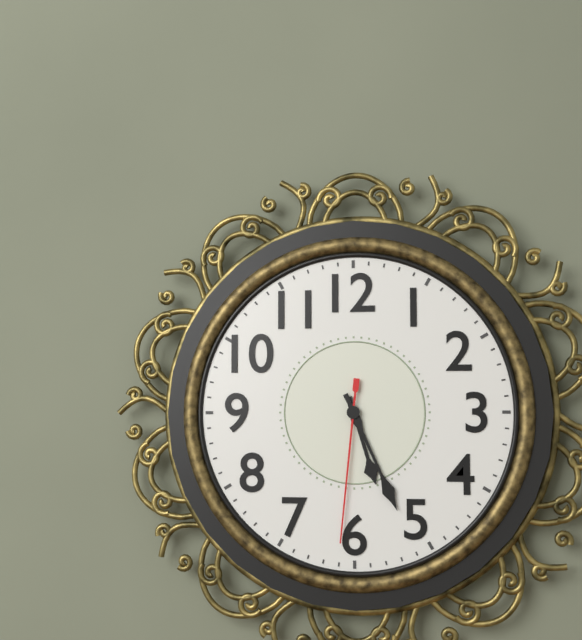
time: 5:26:31
